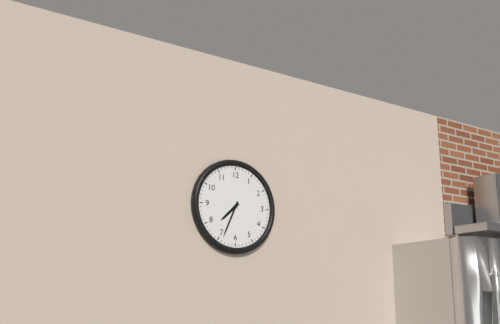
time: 7:34
